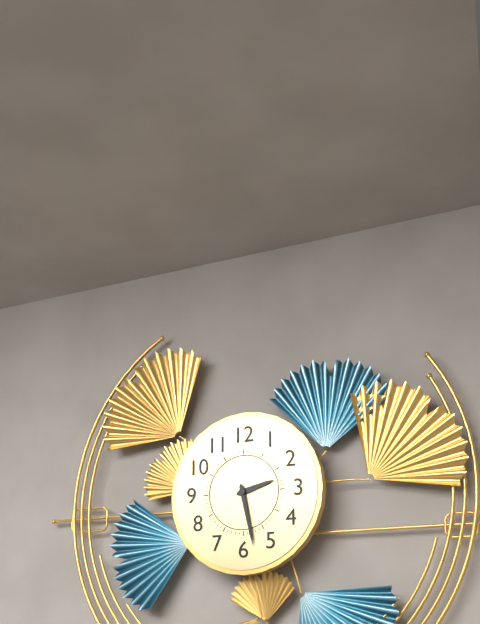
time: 2:28
